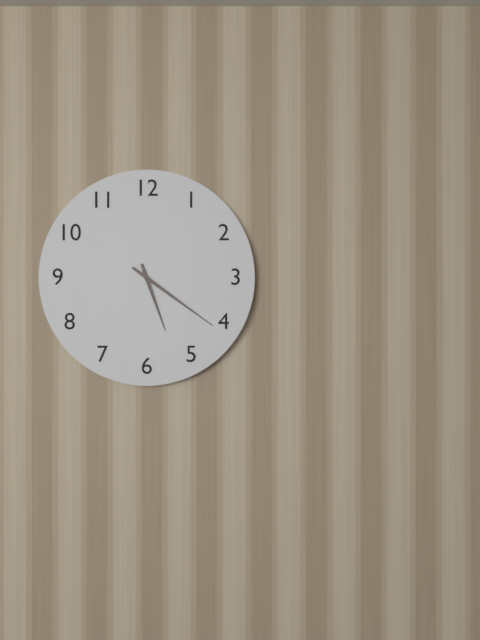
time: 5:21
